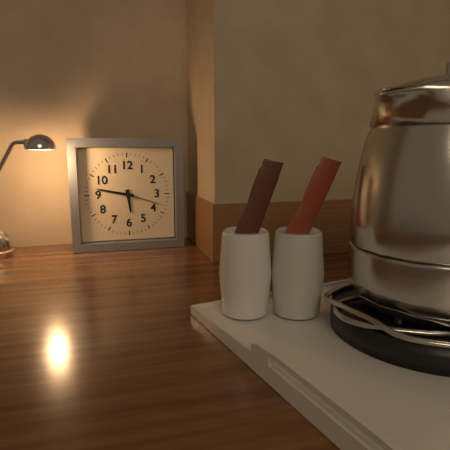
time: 5:47
